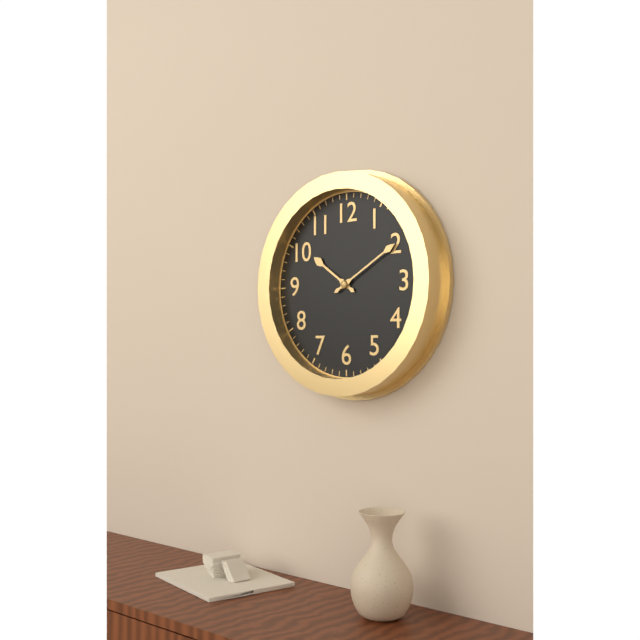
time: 10:10
